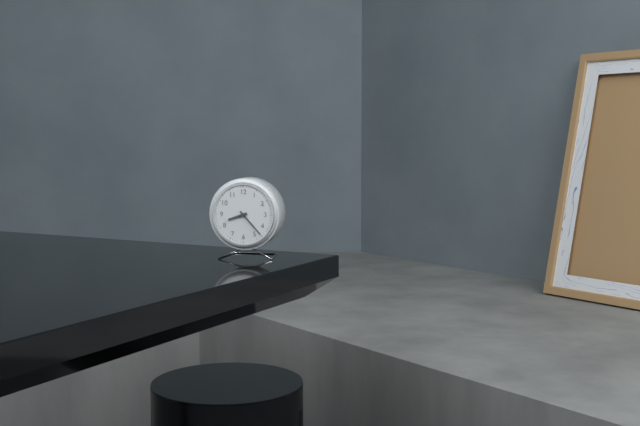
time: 8:23
